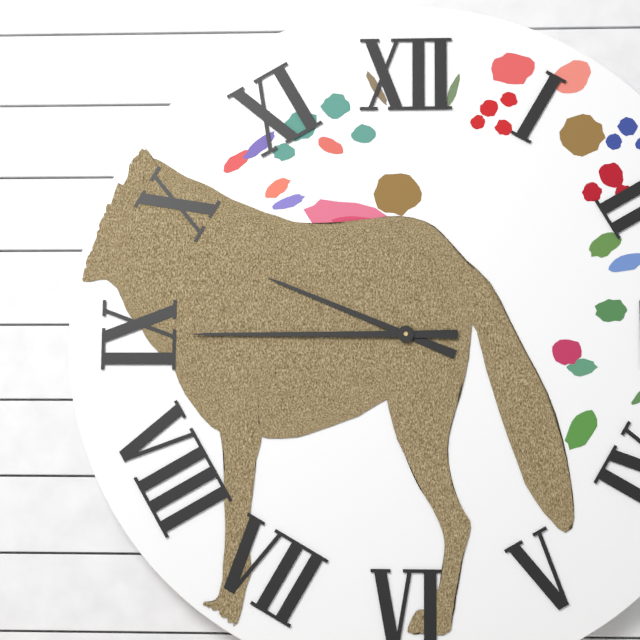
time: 9:45
